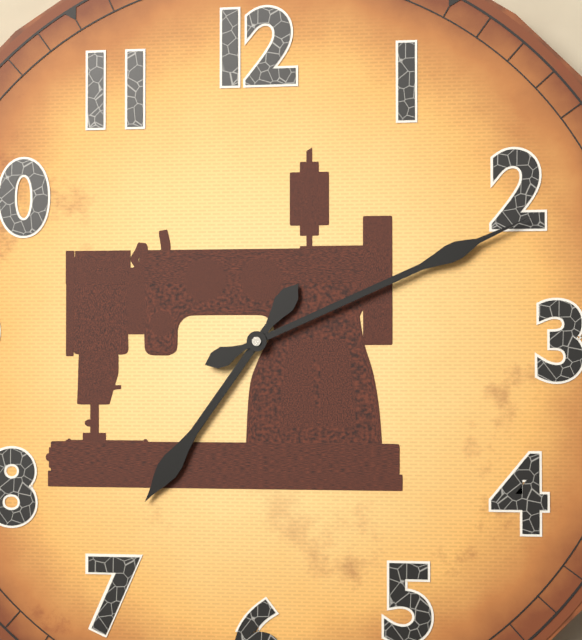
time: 7:11
